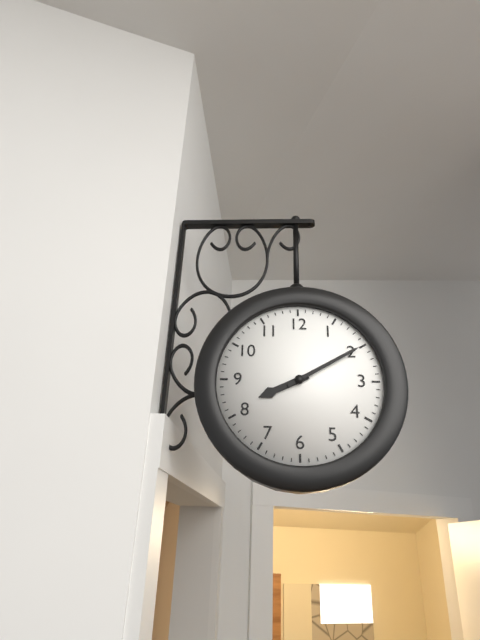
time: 8:10
